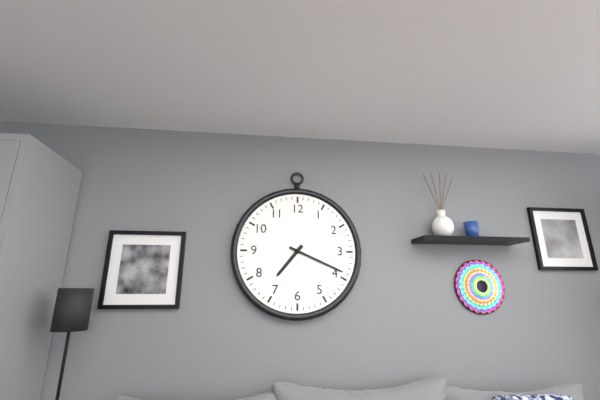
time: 7:19
